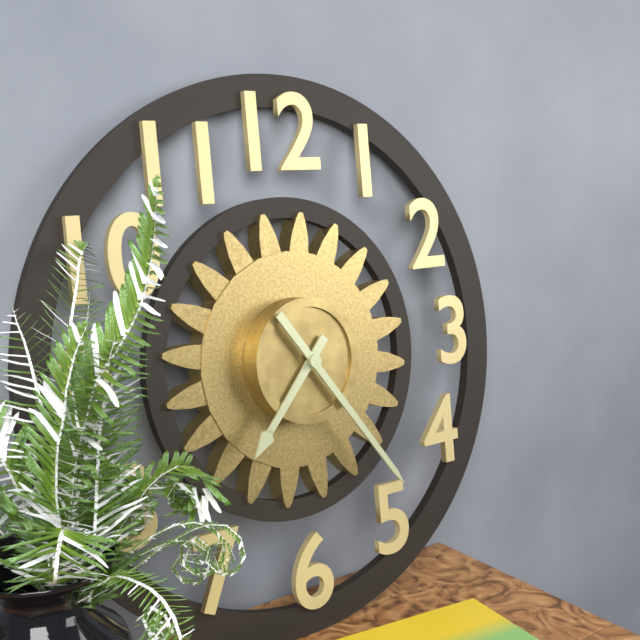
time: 7:24
